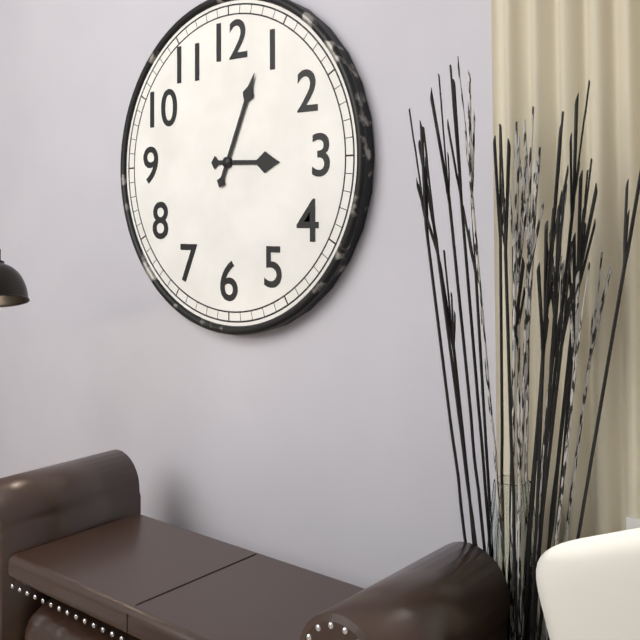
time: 3:04
